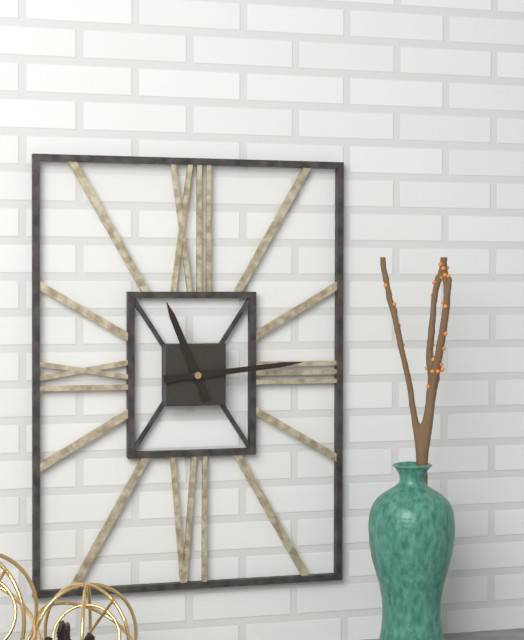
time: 11:14
